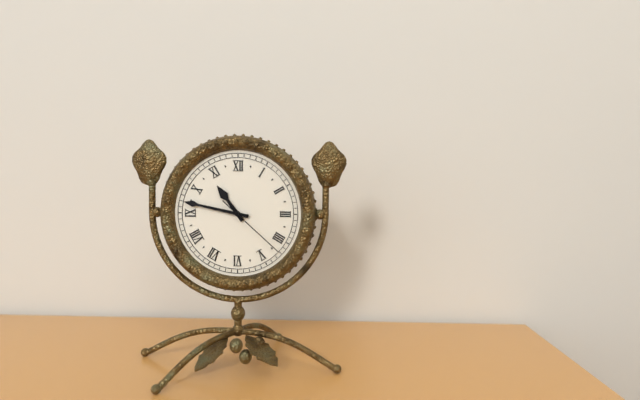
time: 10:47:22
